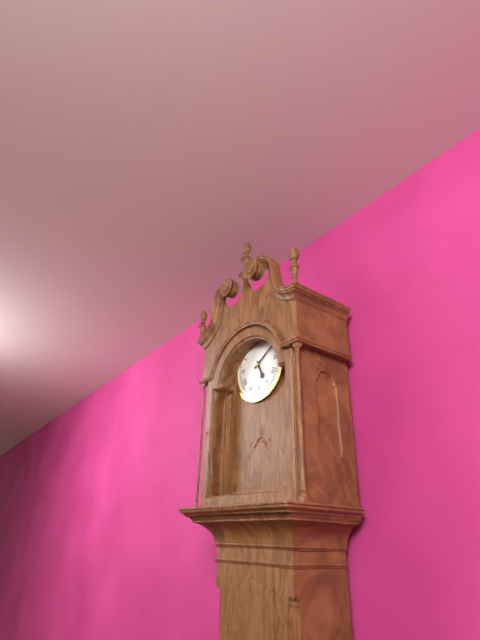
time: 5:10
